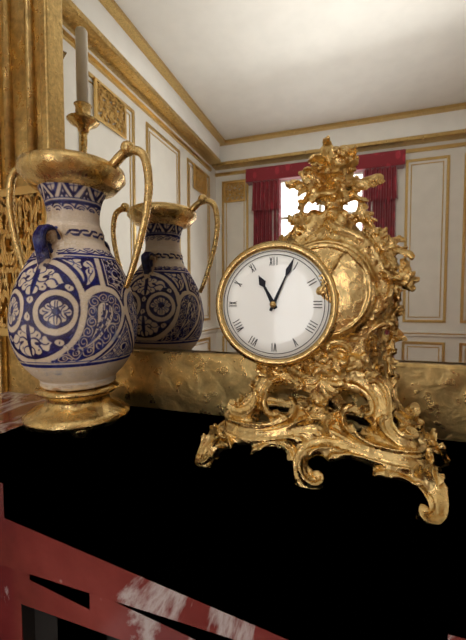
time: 11:04
